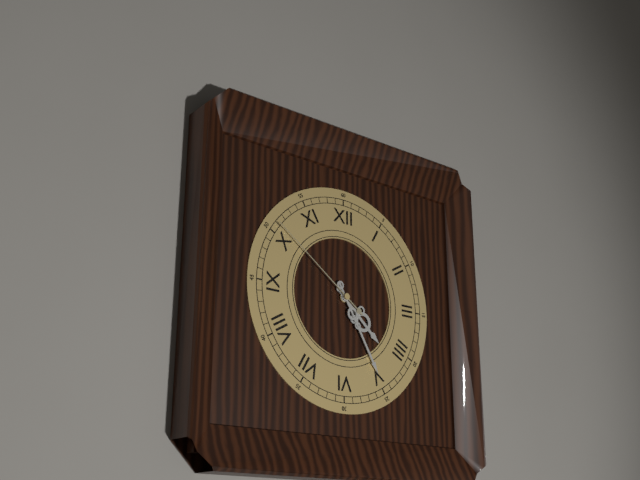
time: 4:25:51
